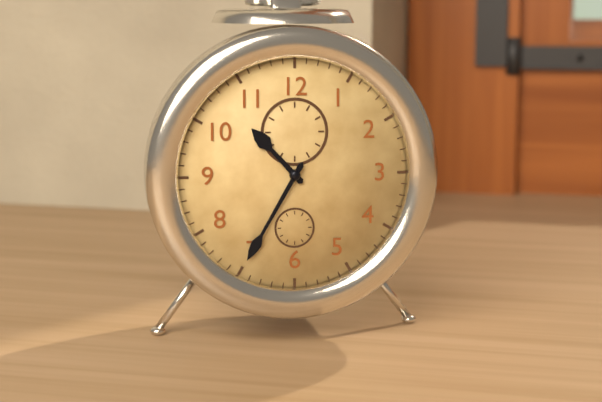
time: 10:35
